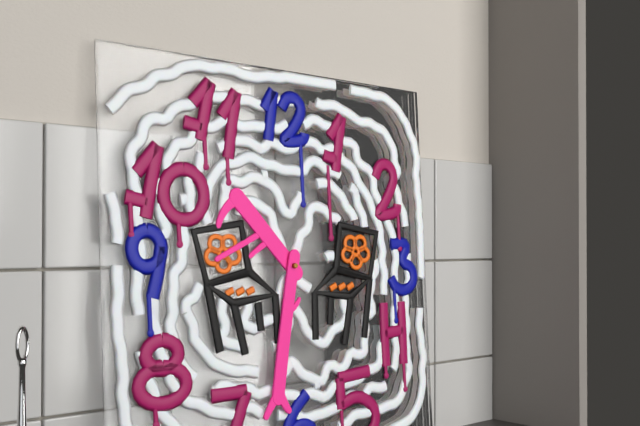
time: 10:32
